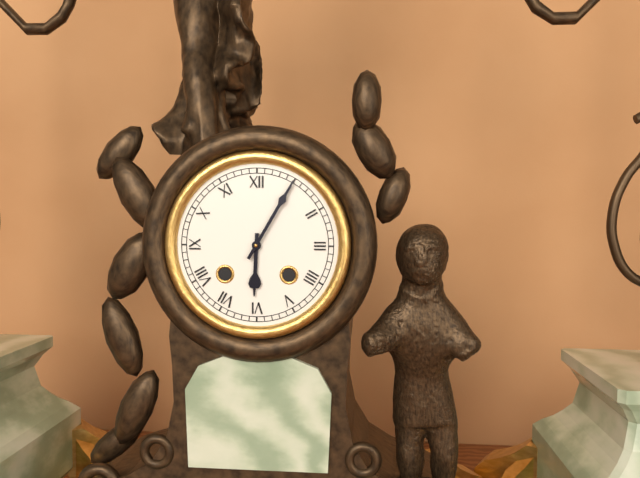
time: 6:05
